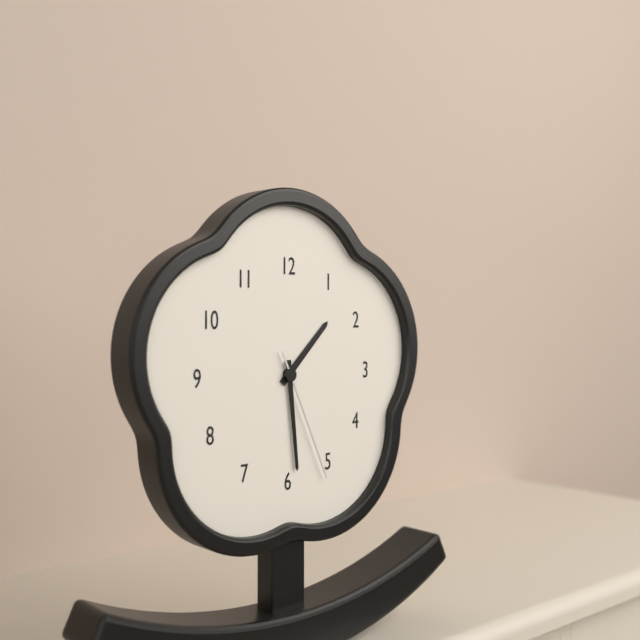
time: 1:29:26
